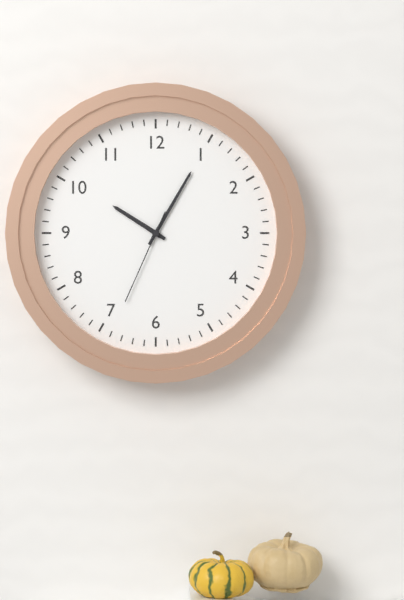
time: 10:05:34
